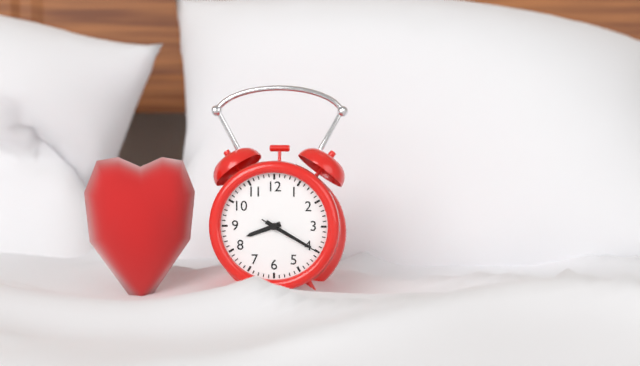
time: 8:20:20
